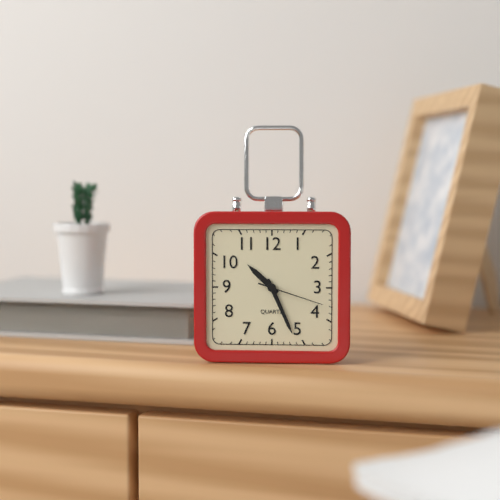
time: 10:26:18
